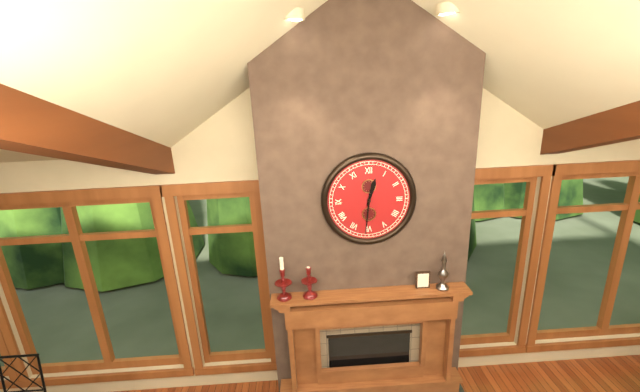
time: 12:31
